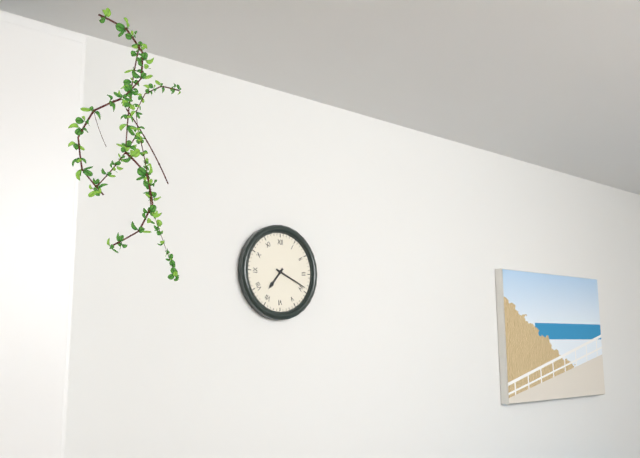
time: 7:19
